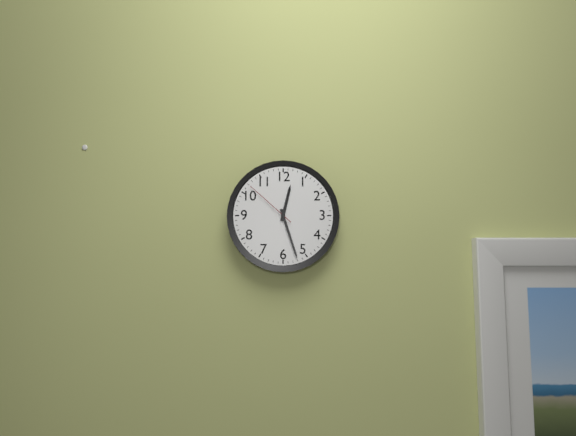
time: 12:27:52
